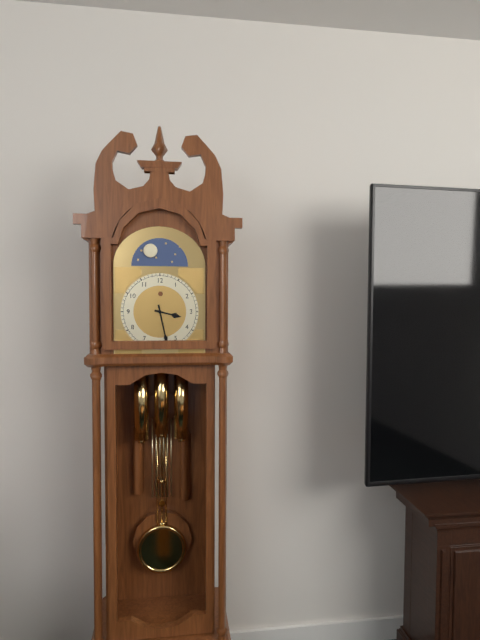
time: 3:28
